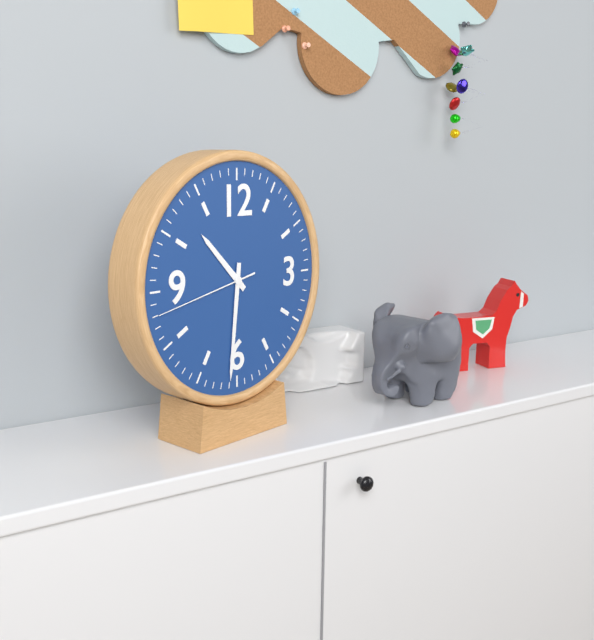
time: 10:31:43
